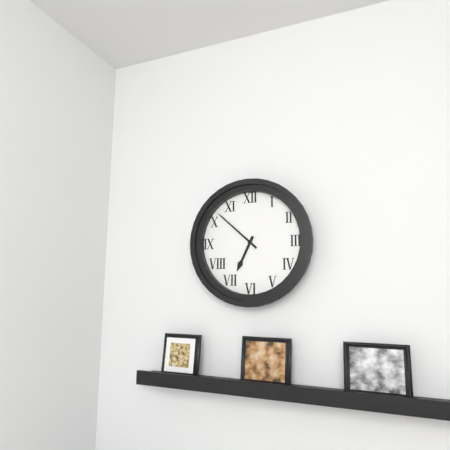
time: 6:52
